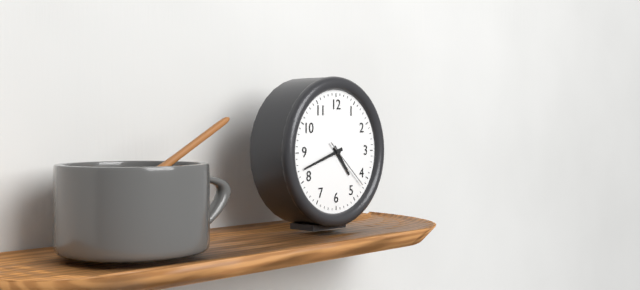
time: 4:42:22
